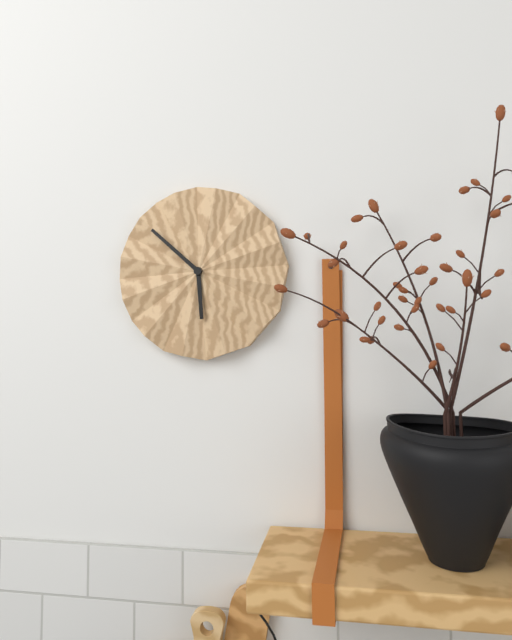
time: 5:52
